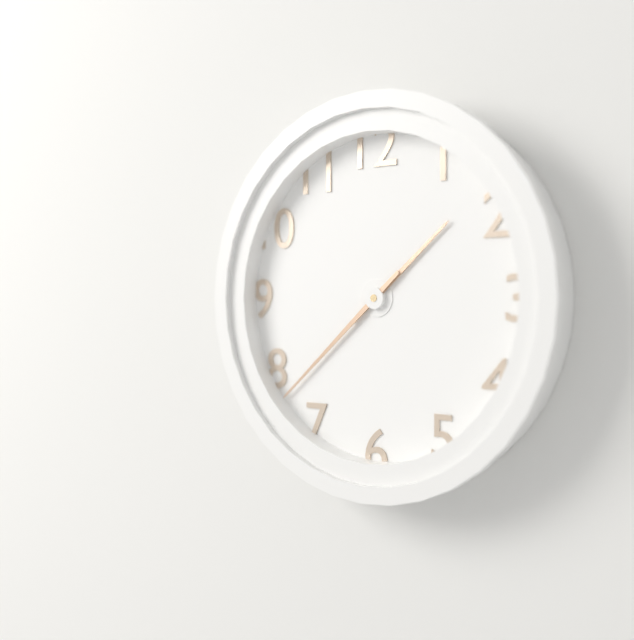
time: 1:38
